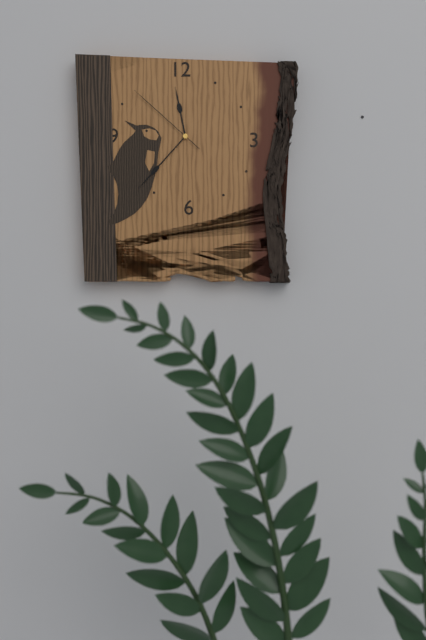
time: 11:37:52
